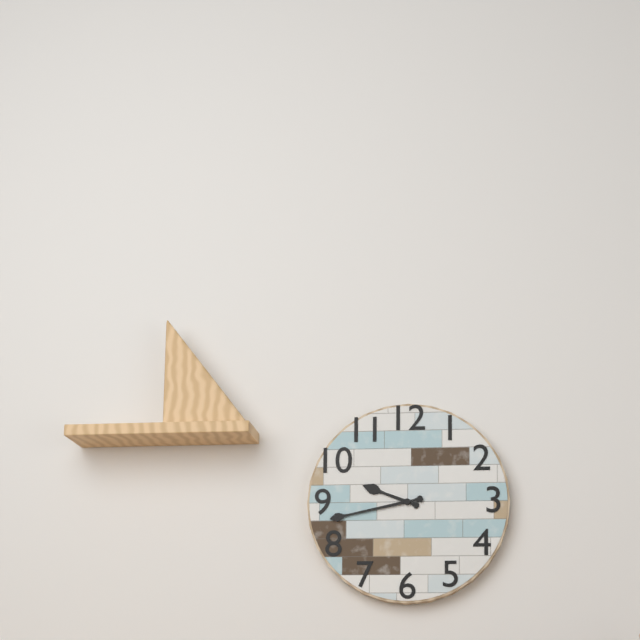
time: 9:43
